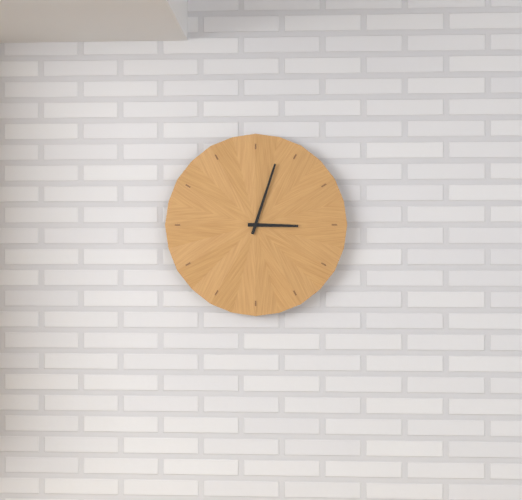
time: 3:03
